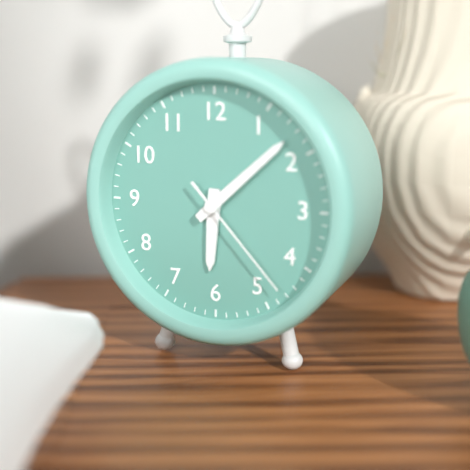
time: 6:08:23
